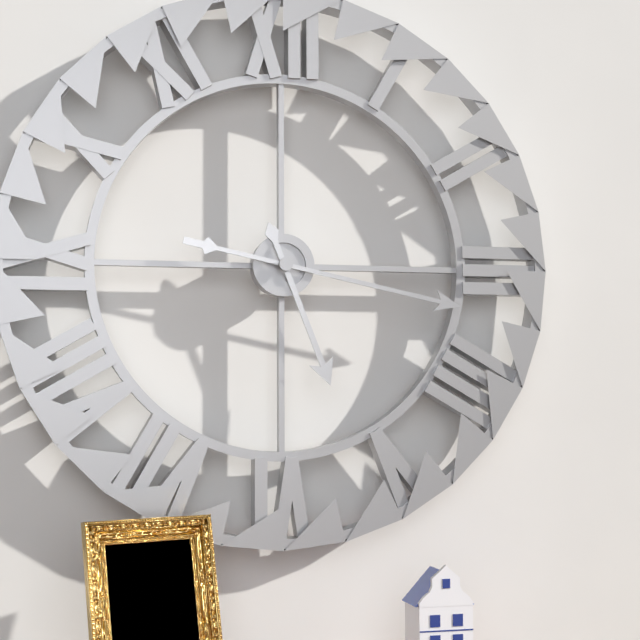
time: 5:17
